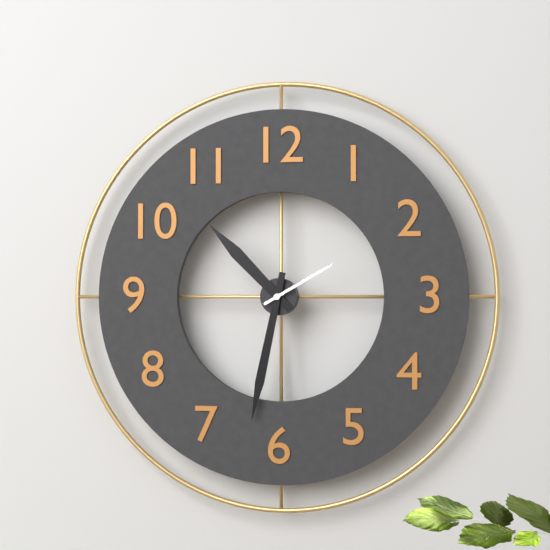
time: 10:32:10
